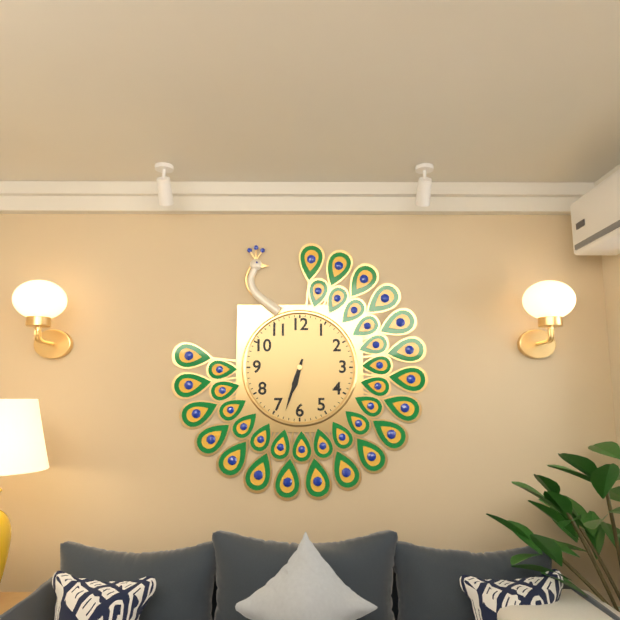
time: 6:33
